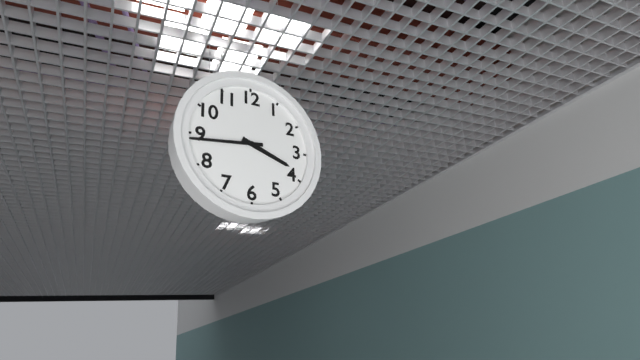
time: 3:44
